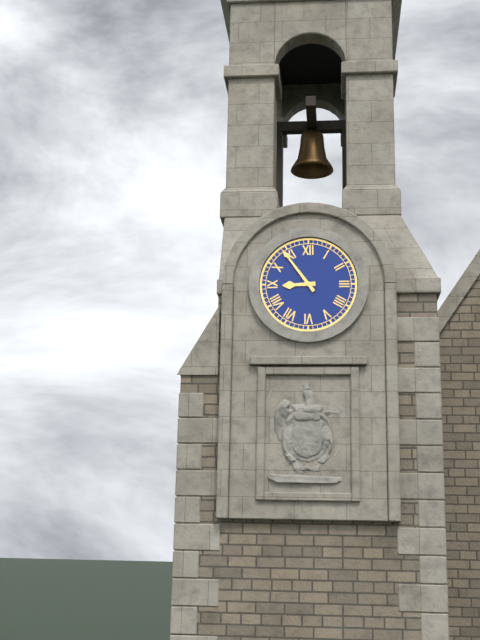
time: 8:54
